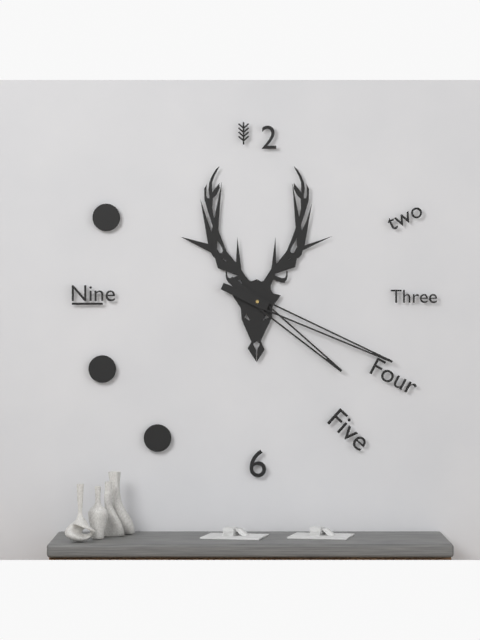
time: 4:19
